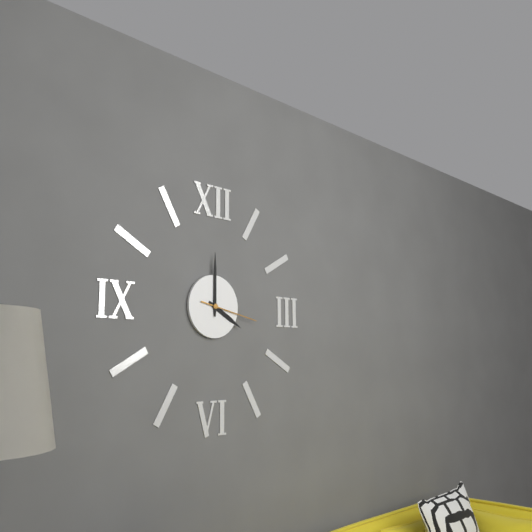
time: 4:00:17
